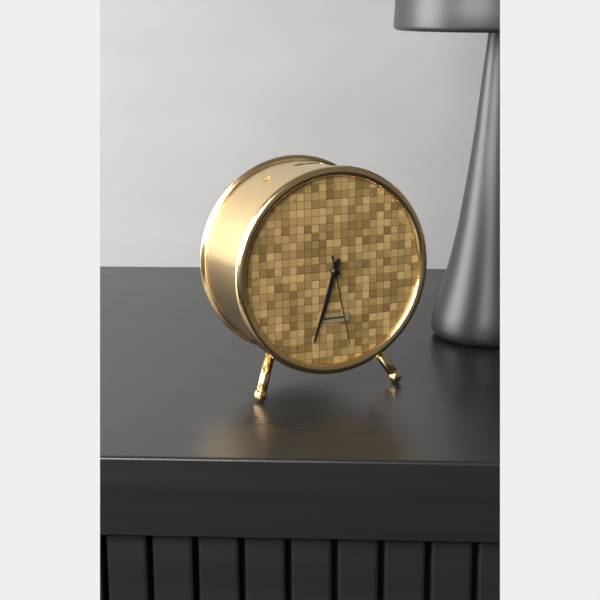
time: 6:33:28
